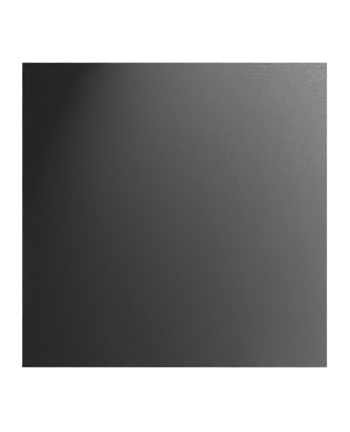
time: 2:28
